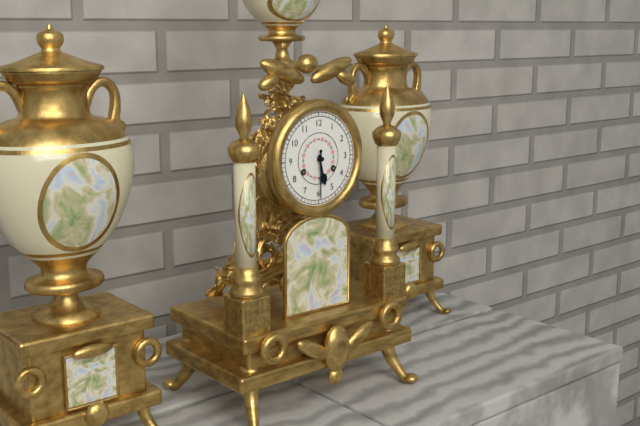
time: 5:30
